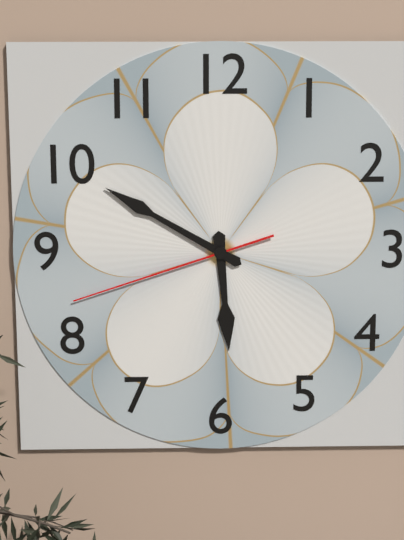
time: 5:50:42
